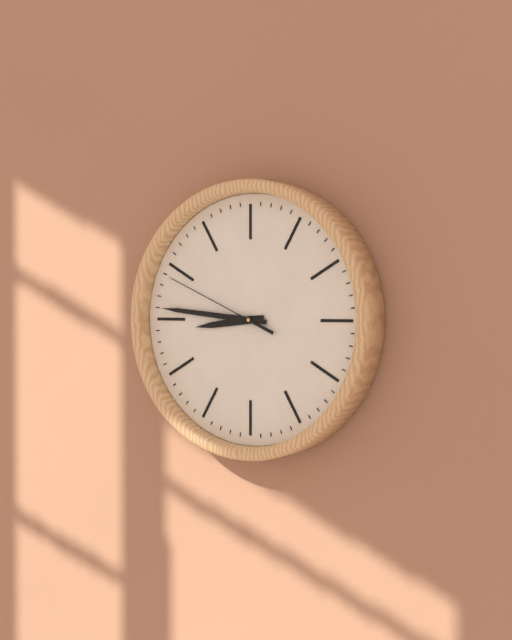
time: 8:46:49
